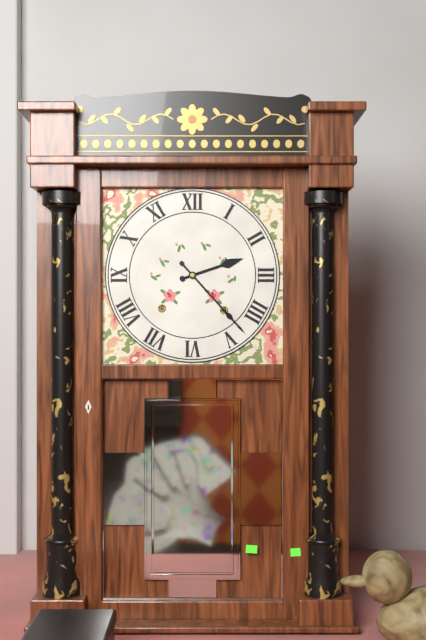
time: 2:23
